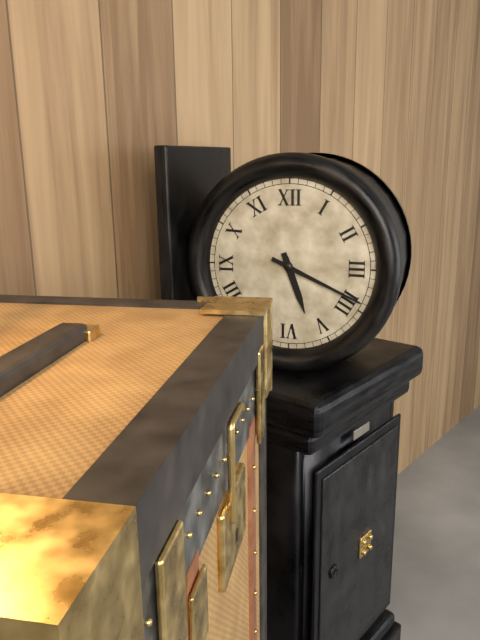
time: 5:19
